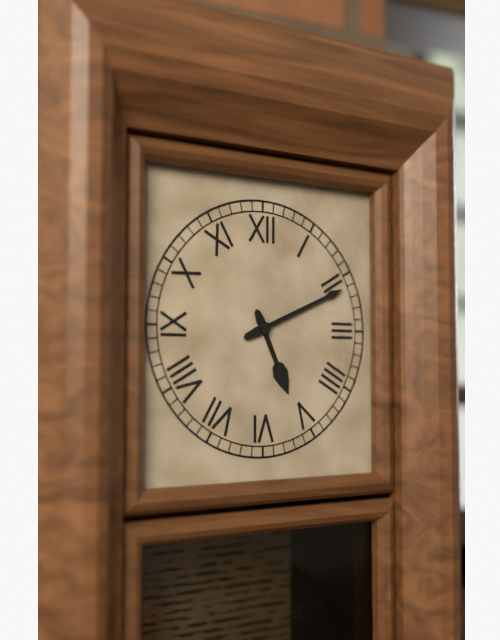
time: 5:11
